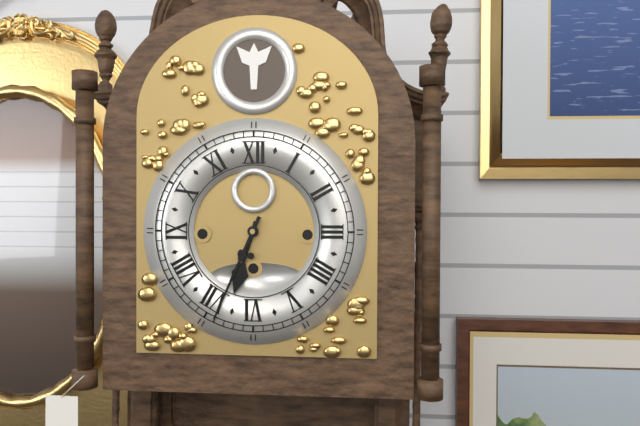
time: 6:34
